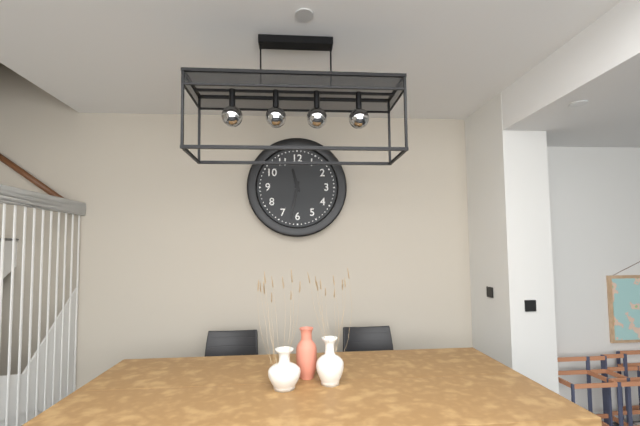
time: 11:32
